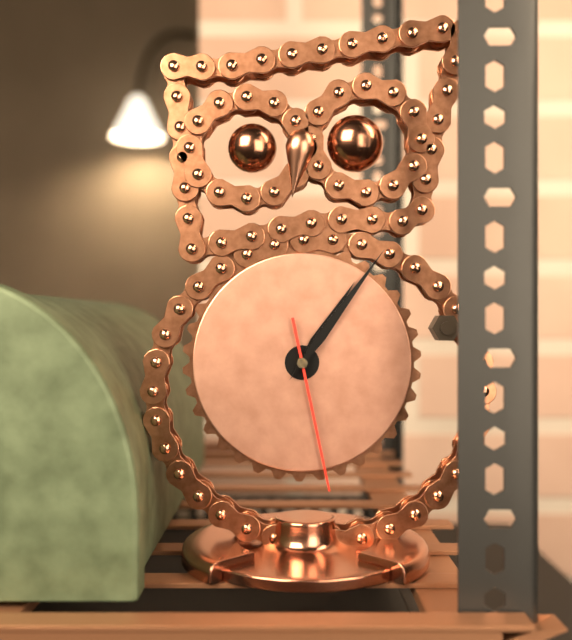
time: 1:06:28
